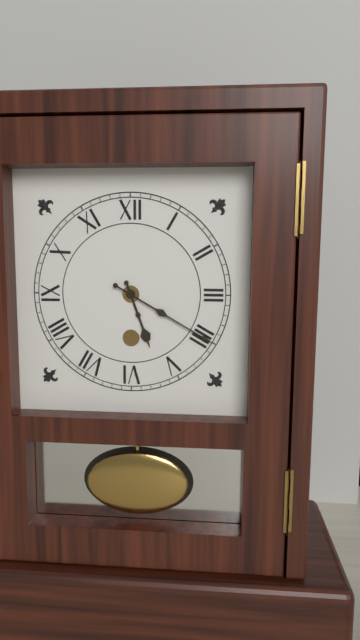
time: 5:20
